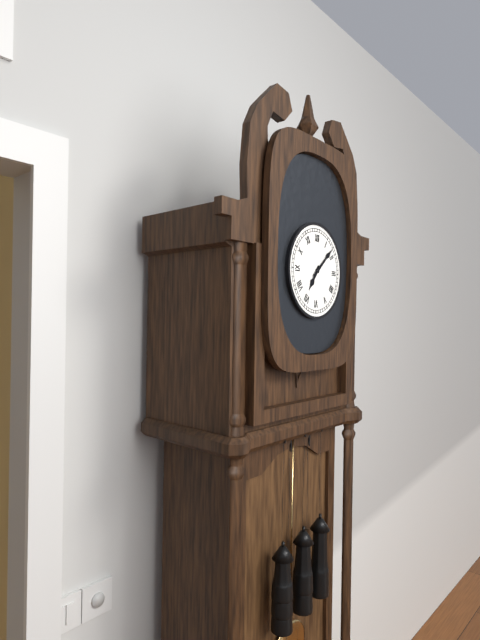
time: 7:08
